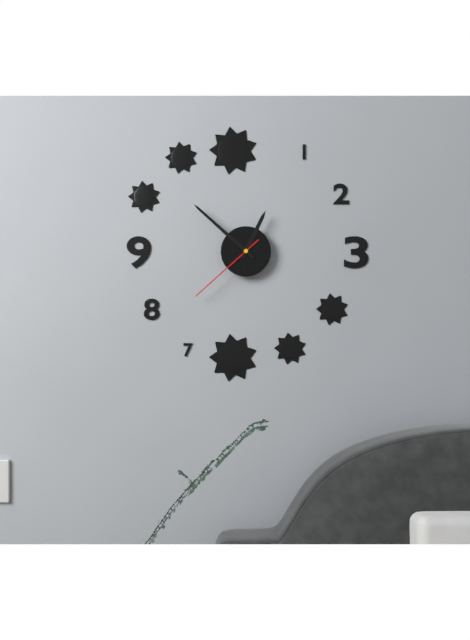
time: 12:52:38
